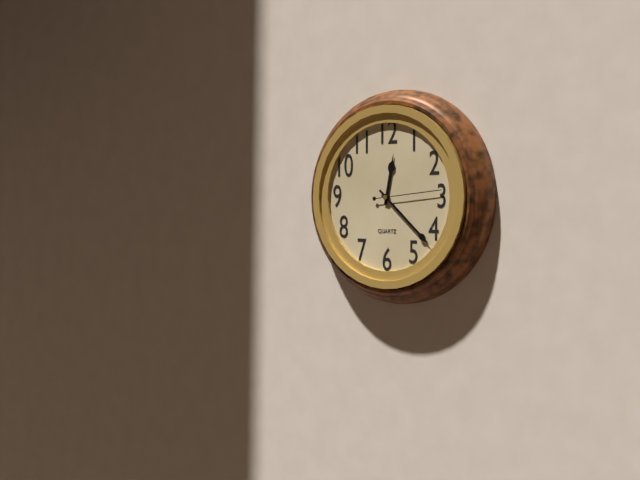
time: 12:22:14
